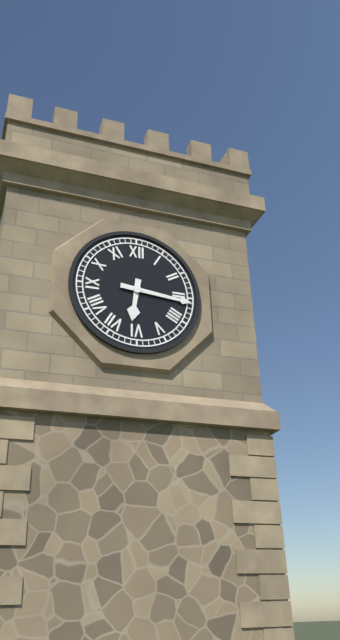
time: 6:16
